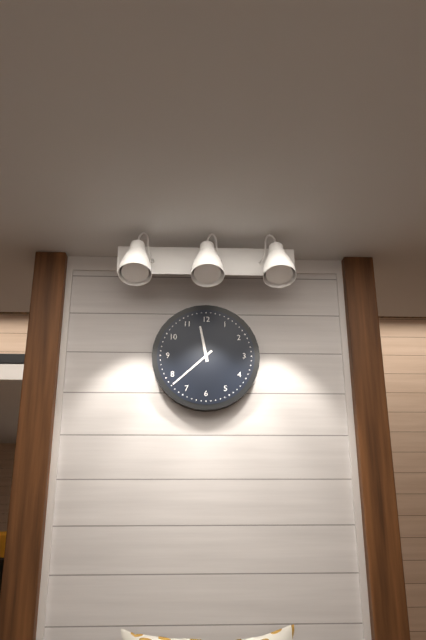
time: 11:38
